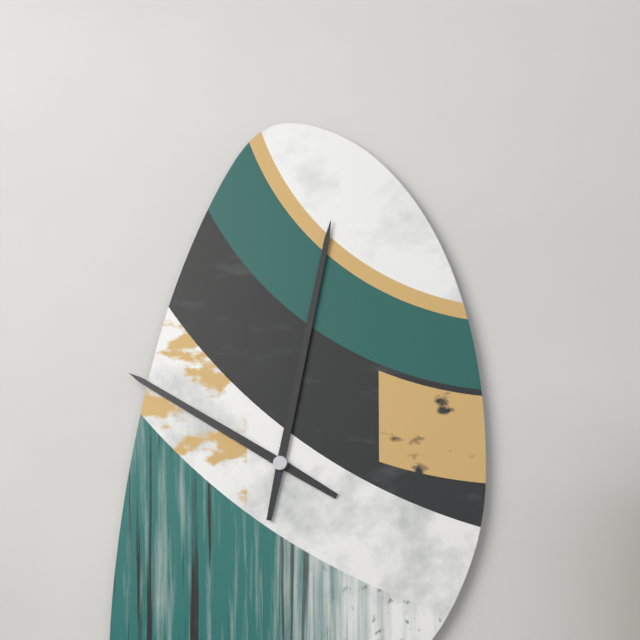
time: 10:02
